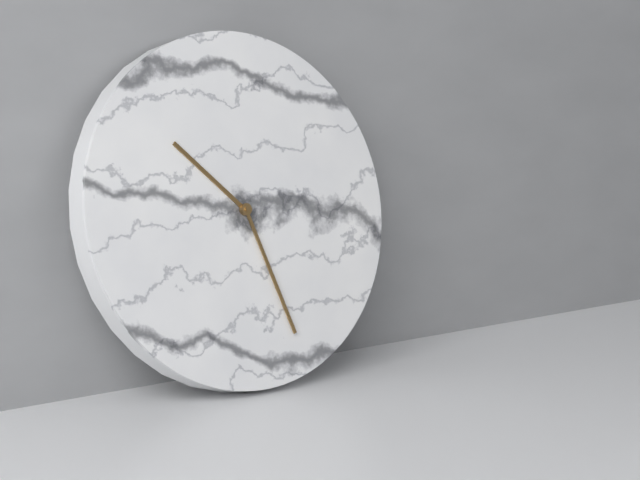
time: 10:27
